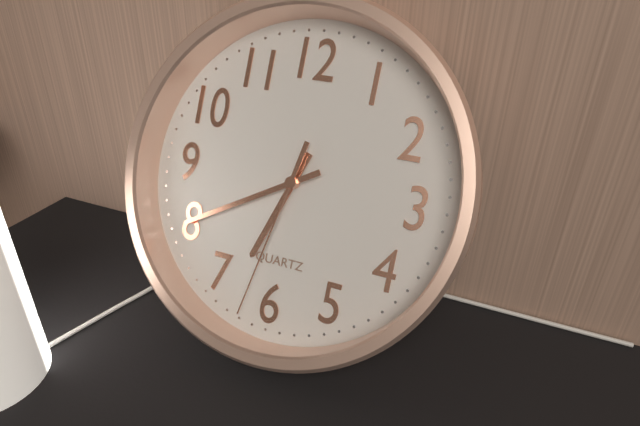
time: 6:40:32
